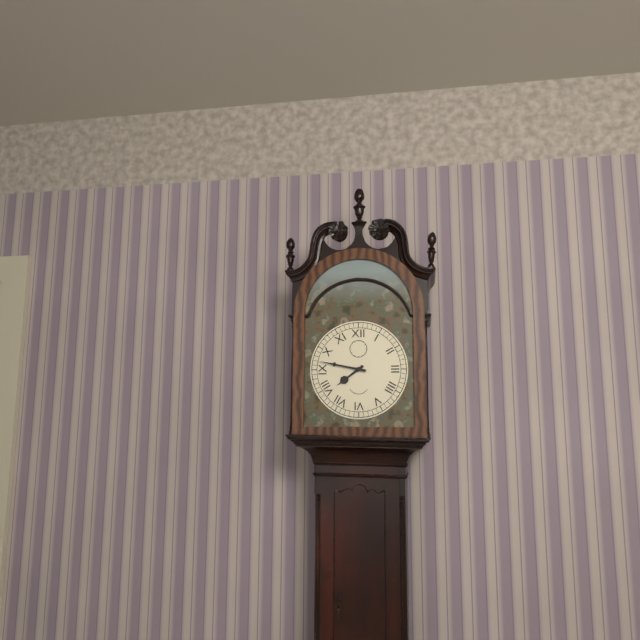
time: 7:47
